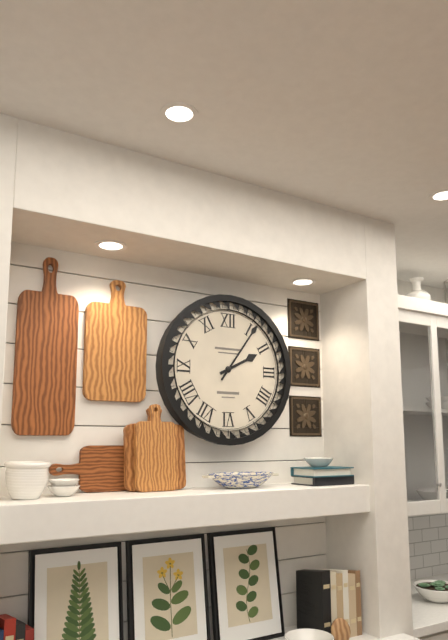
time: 2:06
